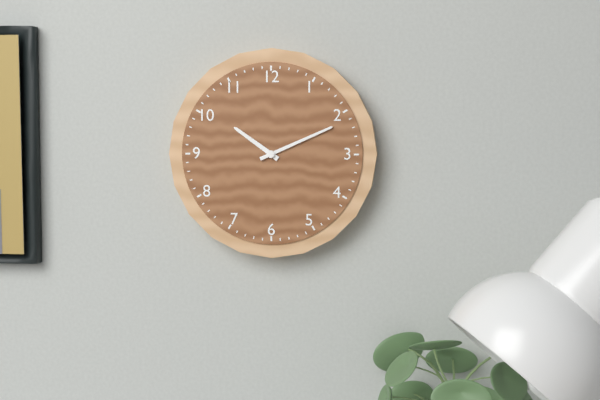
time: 10:11
